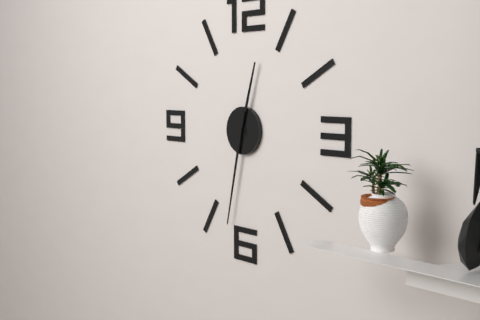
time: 12:32
